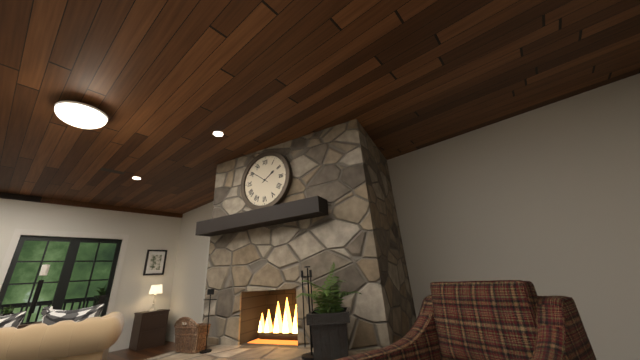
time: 1:51
